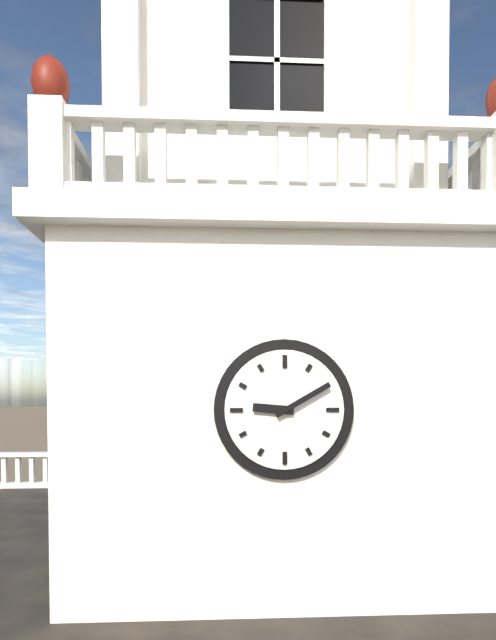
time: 9:10
